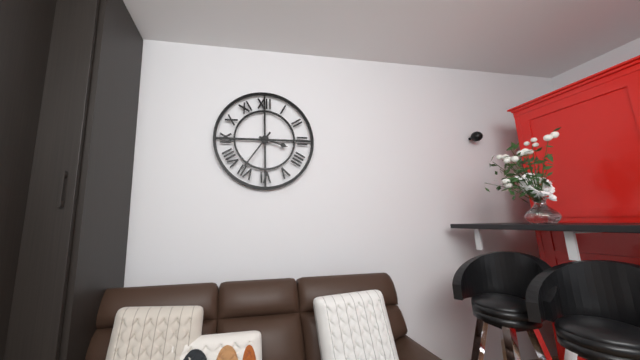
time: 3:36
